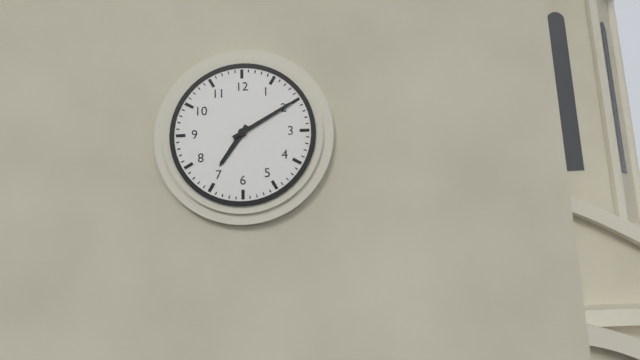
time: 7:10
